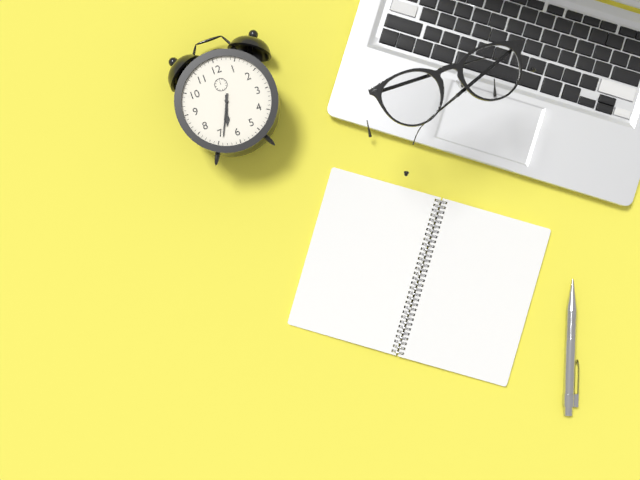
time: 6:34
